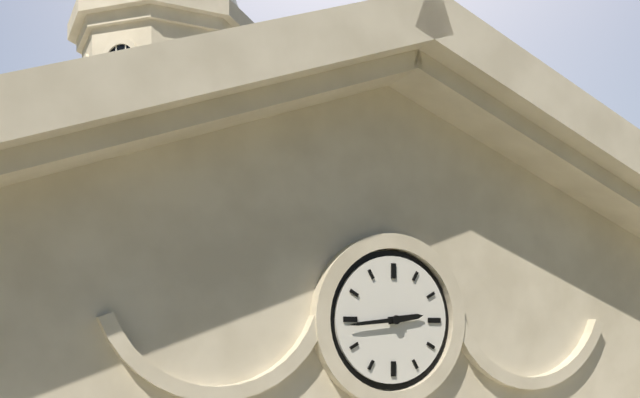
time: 2:44
